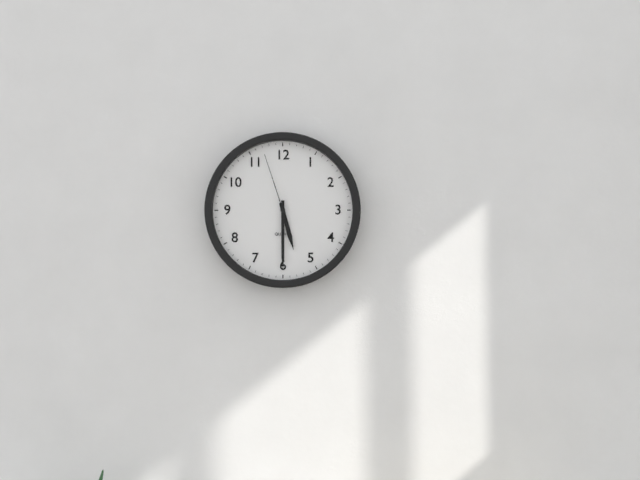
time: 5:30:57
